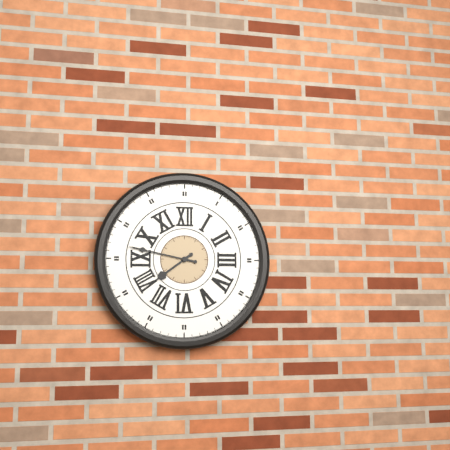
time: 7:47
